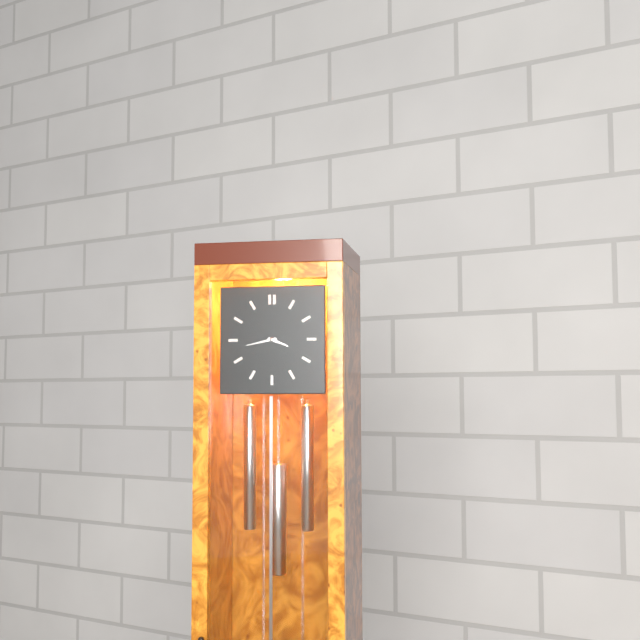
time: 3:43
